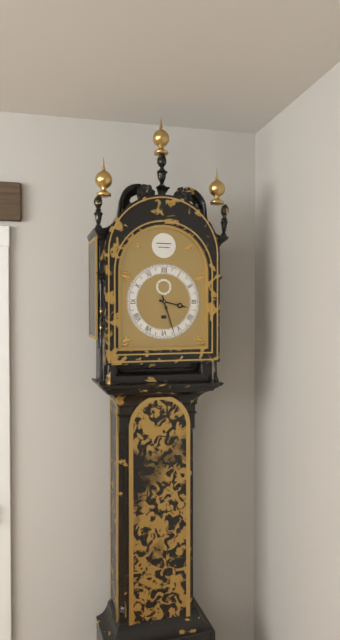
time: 3:27
